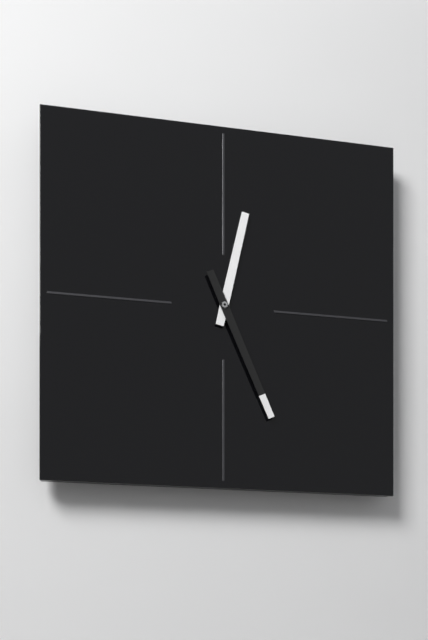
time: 12:26
